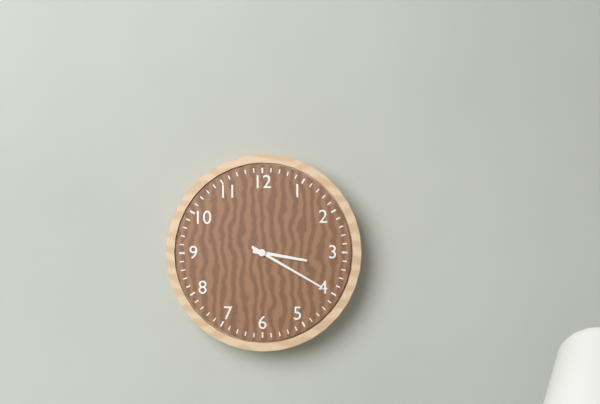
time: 3:20
